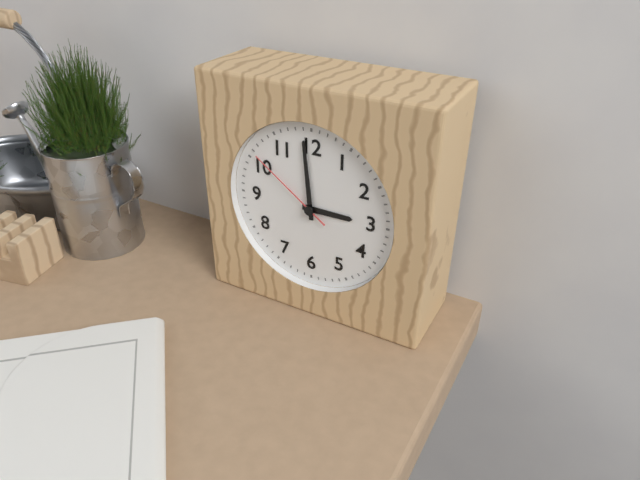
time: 2:59:51
